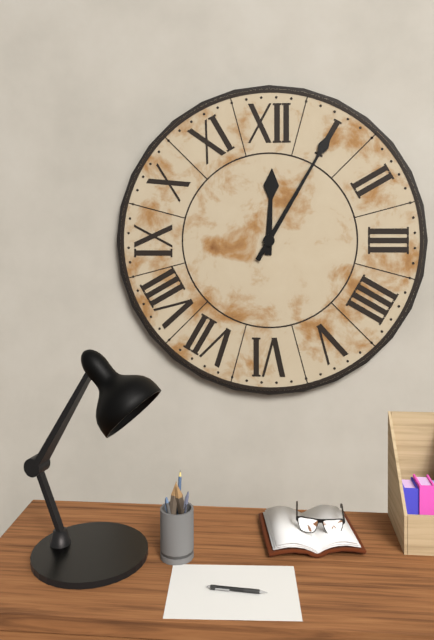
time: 12:05
